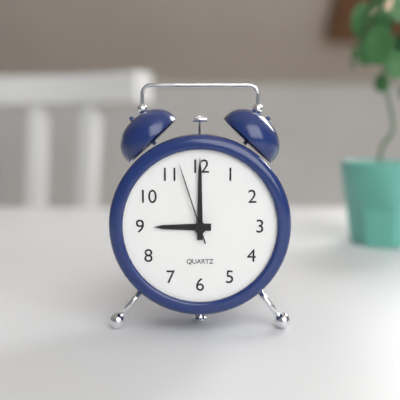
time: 9:00:57
